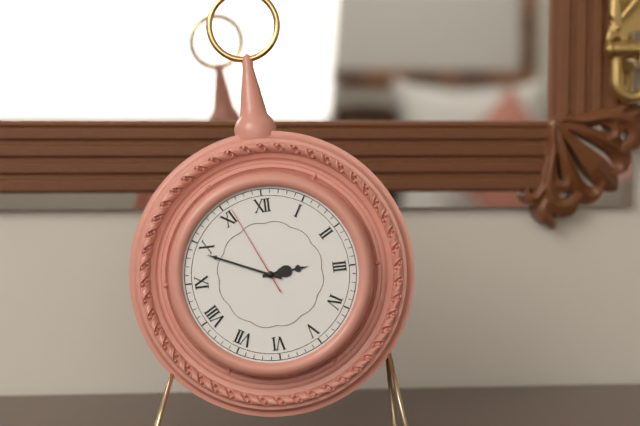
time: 2:49:56
